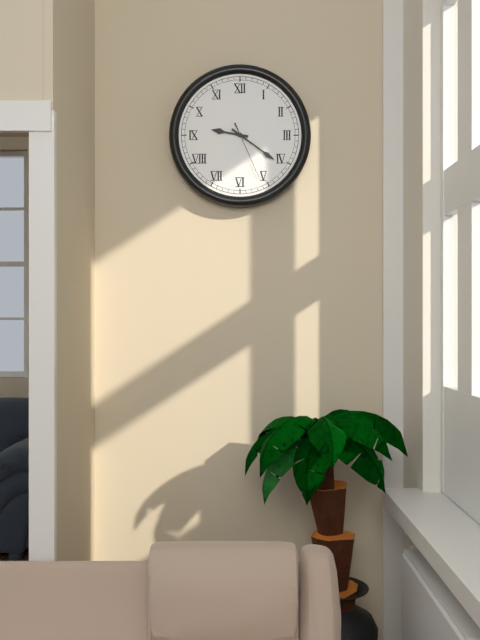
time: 9:21:26
